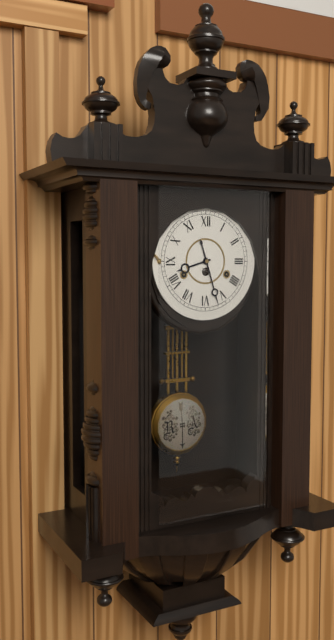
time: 8:27
